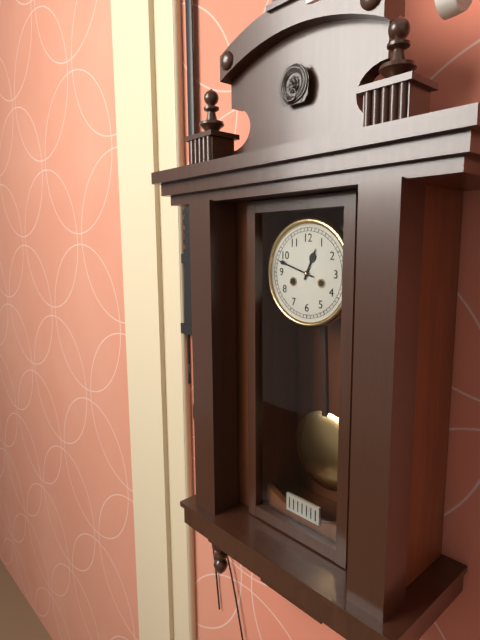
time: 12:48
